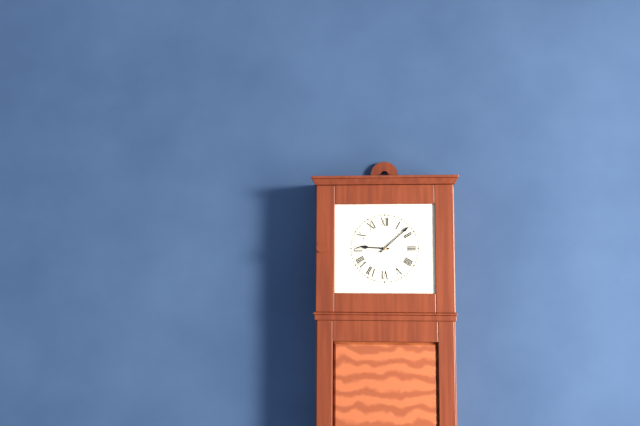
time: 9:08
